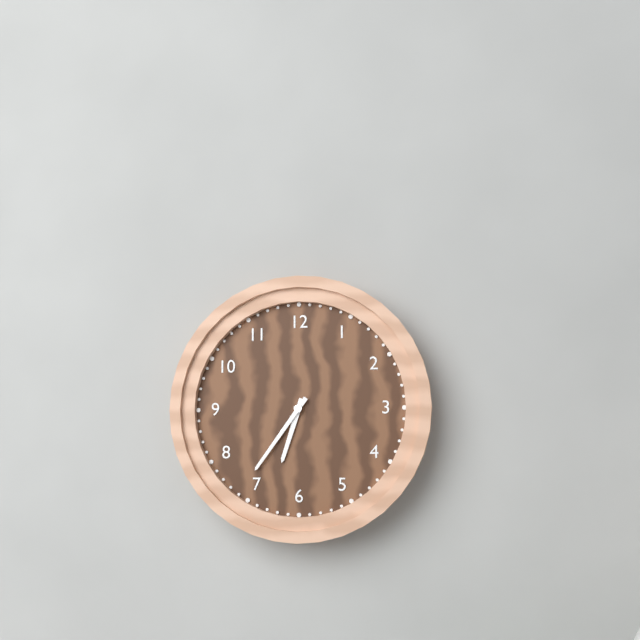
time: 6:36
